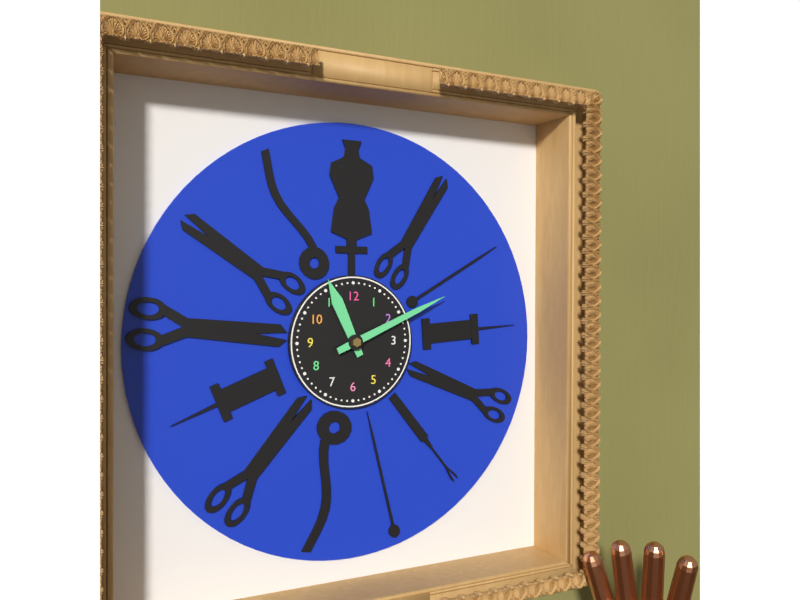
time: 11:11
